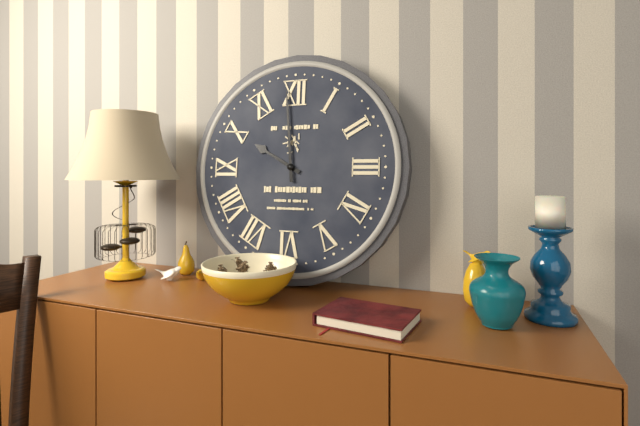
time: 9:59
